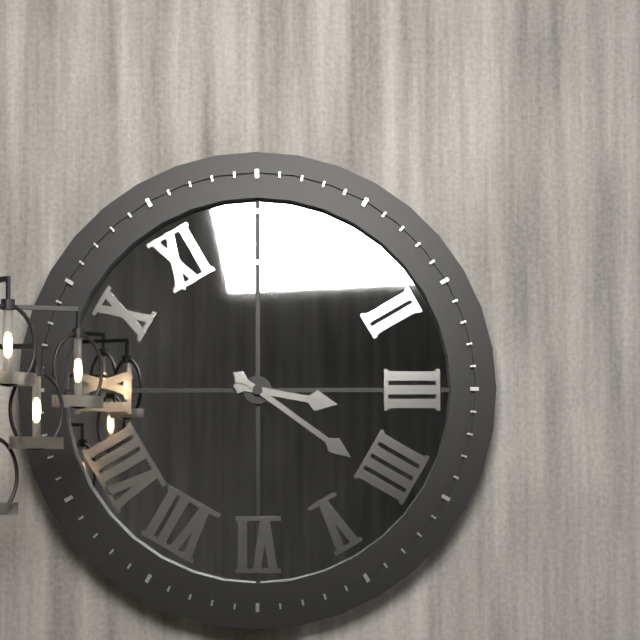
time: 3:21
